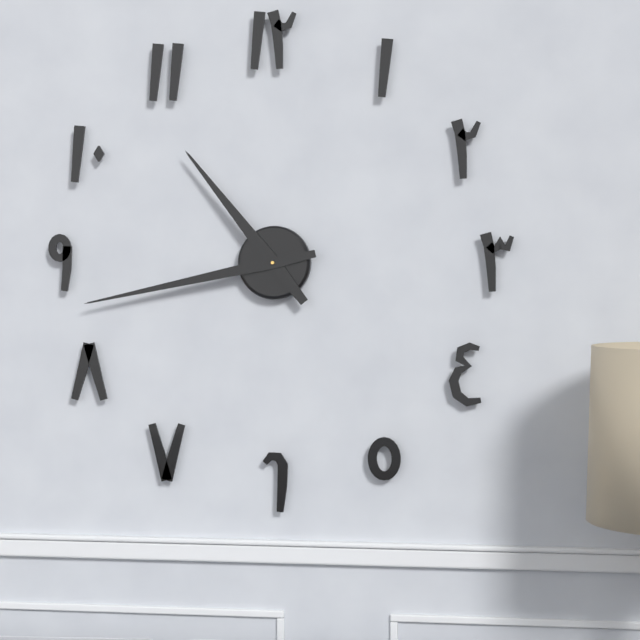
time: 10:43
